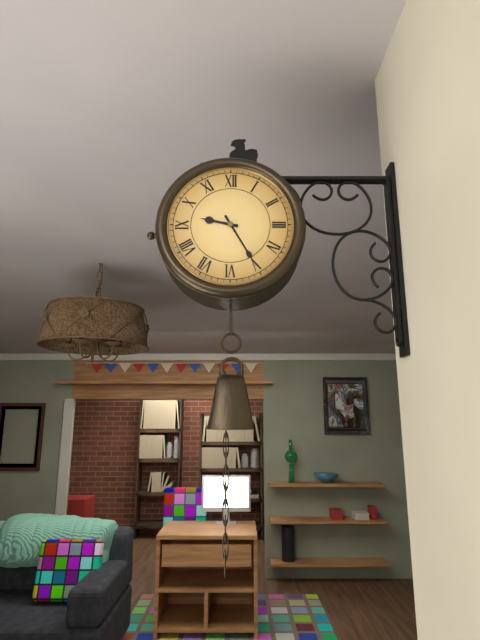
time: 9:25
